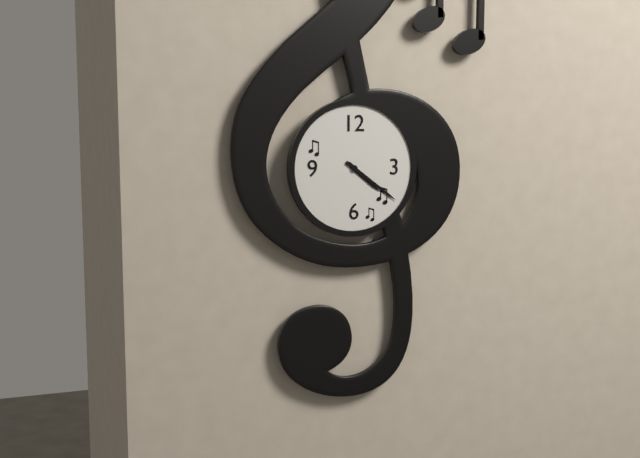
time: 4:21
